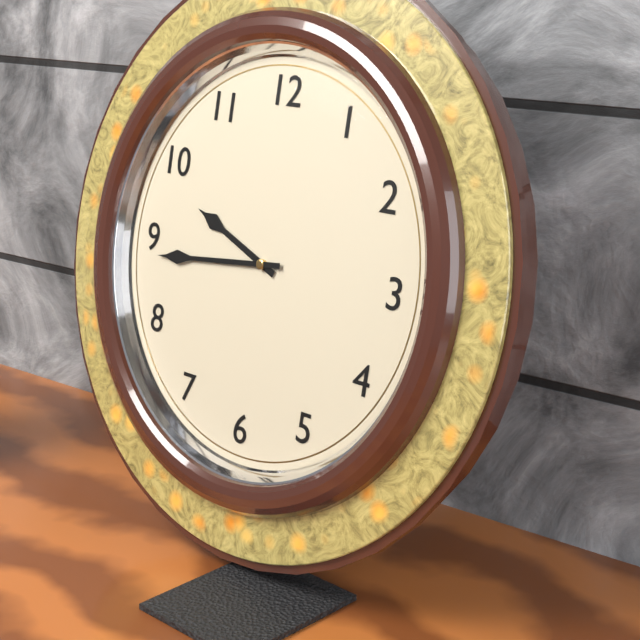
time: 9:44
